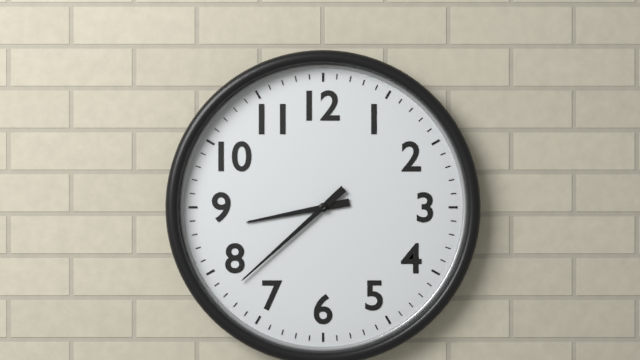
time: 8:38
